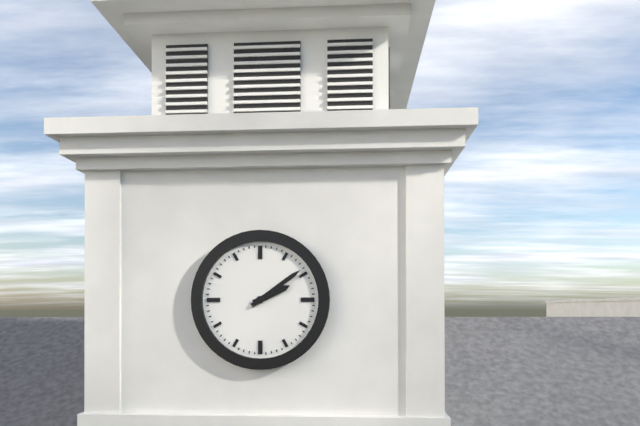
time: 2:09
